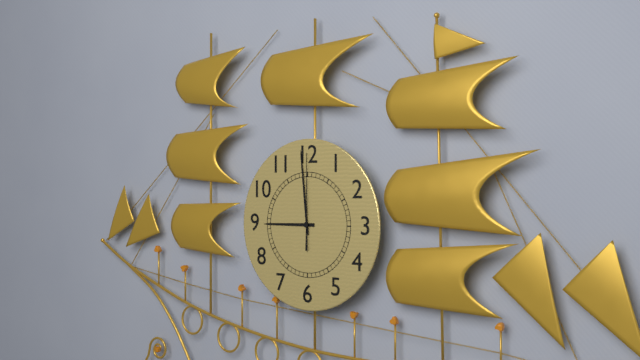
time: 8:59:00
